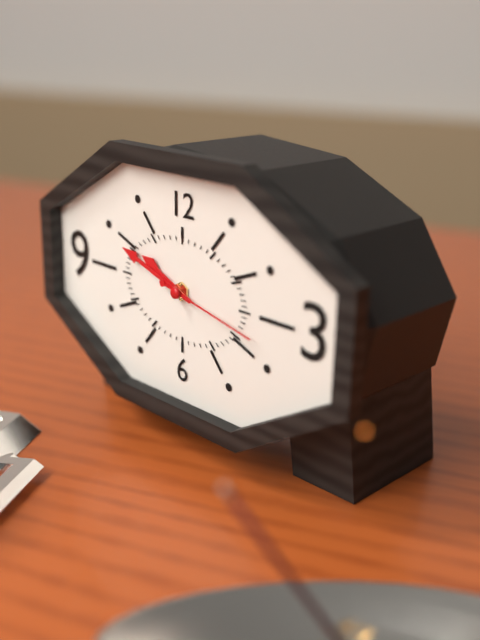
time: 9:48:17
